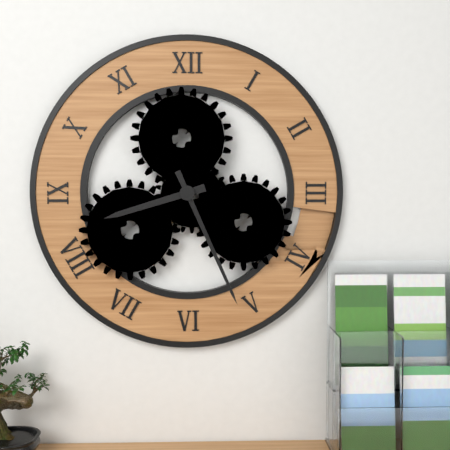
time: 8:26
